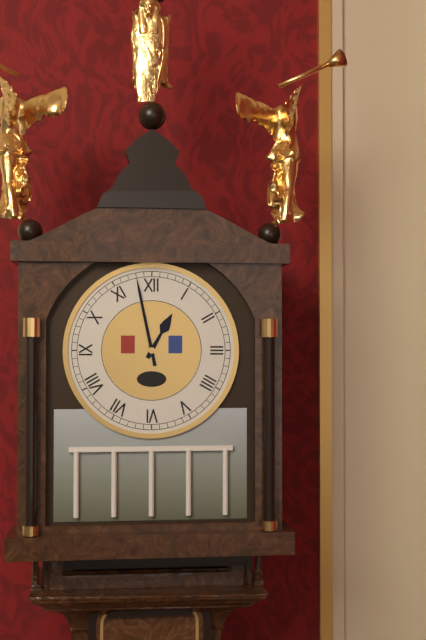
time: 12:58
